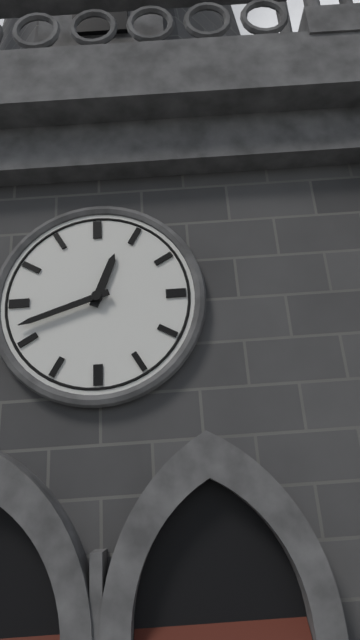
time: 12:42
